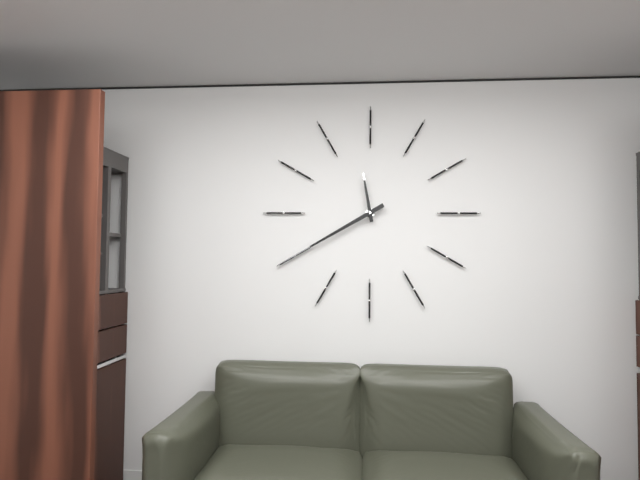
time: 11:40
